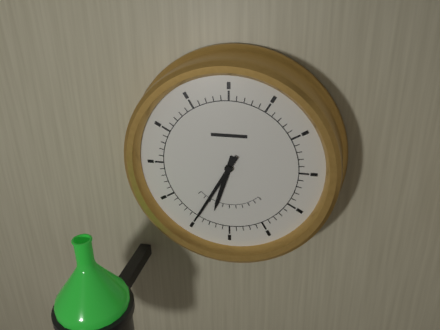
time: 6:35
